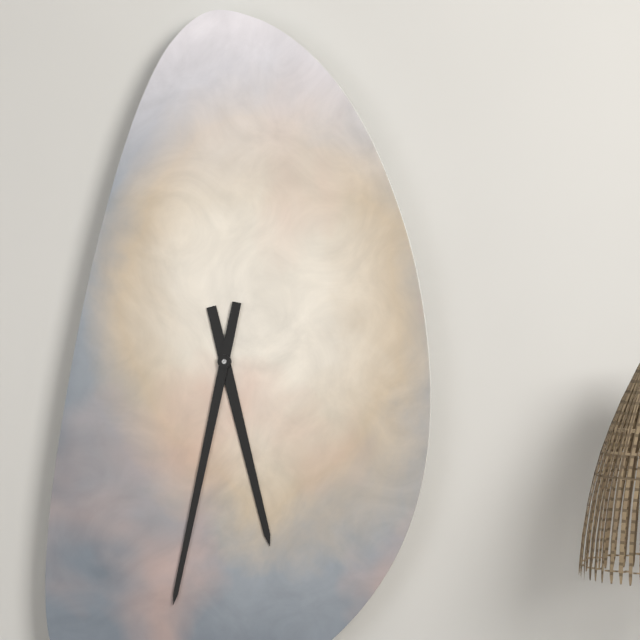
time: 5:32
